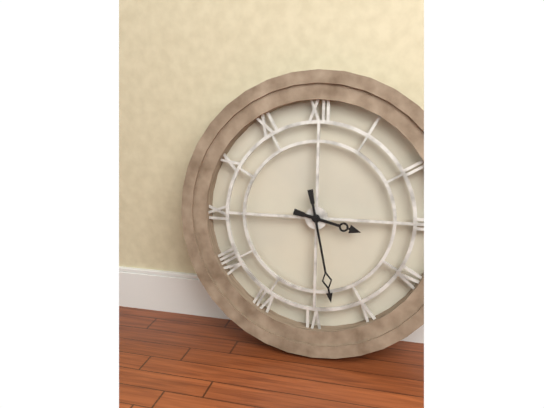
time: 3:28
